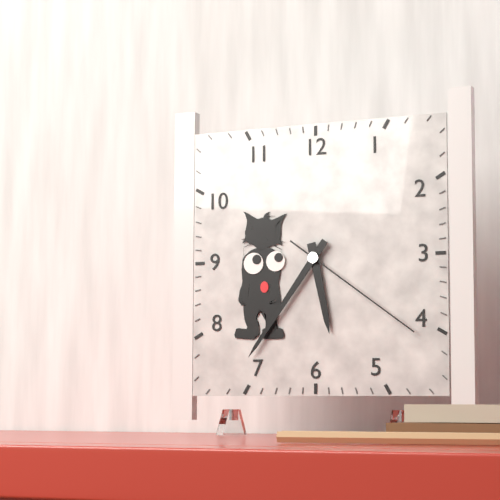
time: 5:36:21
